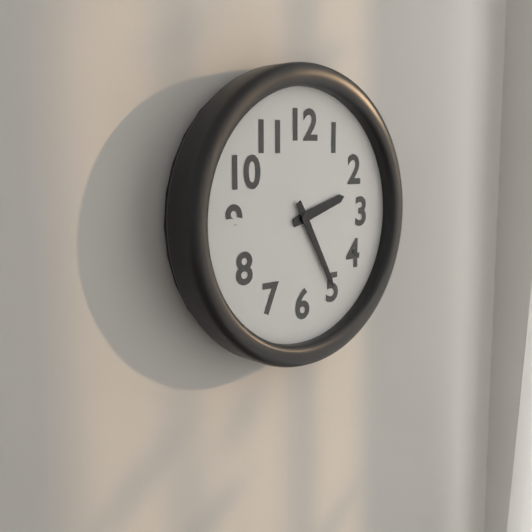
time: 2:25
